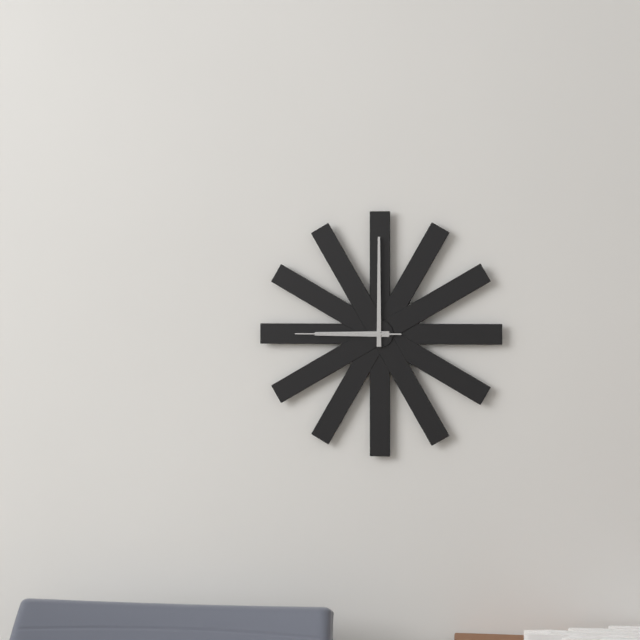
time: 9:00:45
